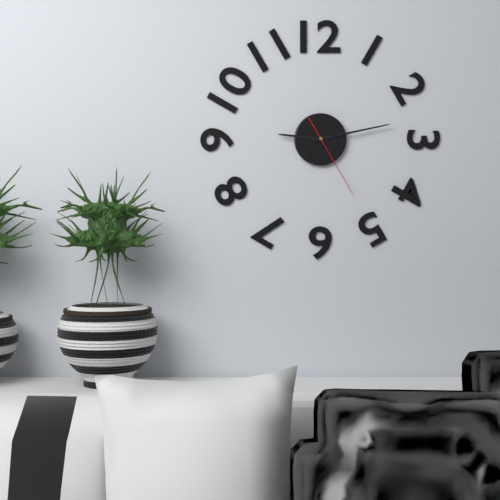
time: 9:13:25
